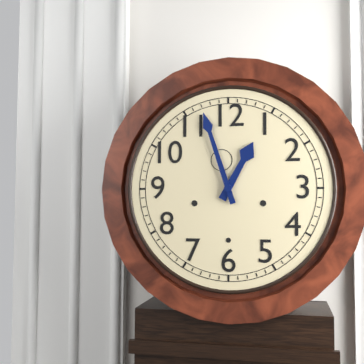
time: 12:57
